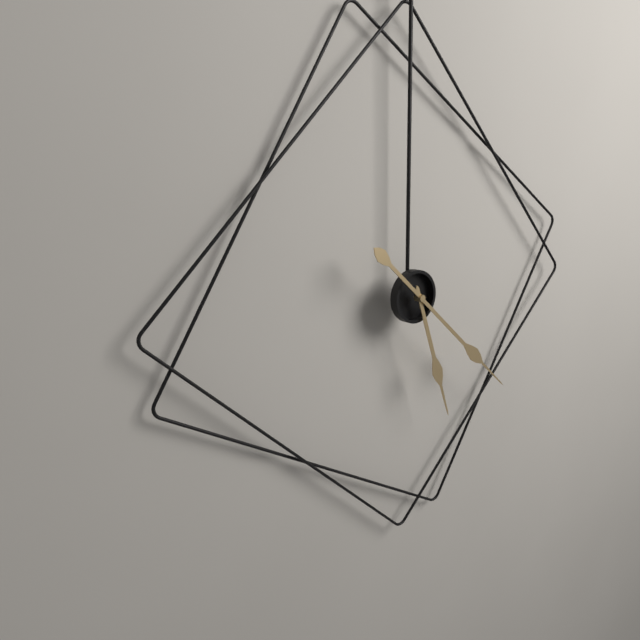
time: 5:22
